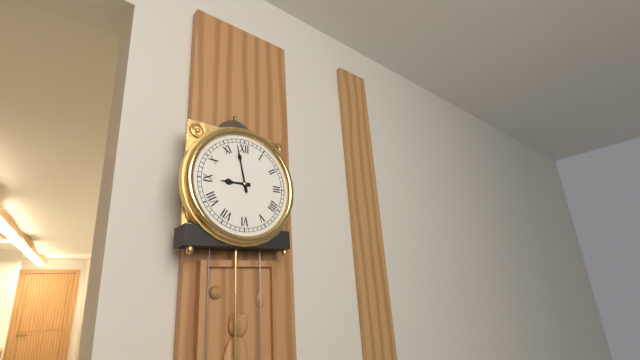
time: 8:58
